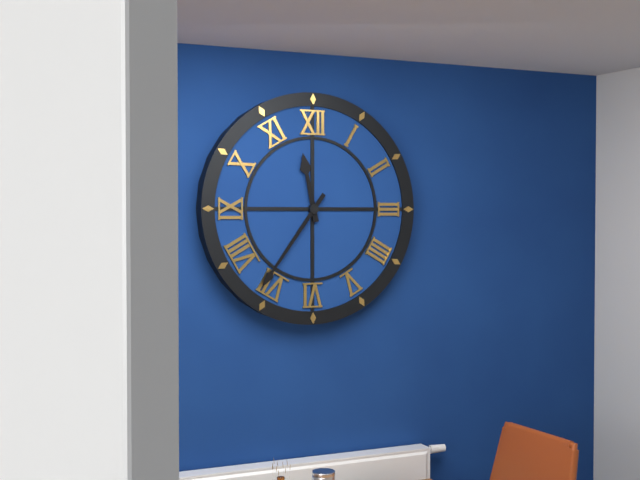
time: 11:36
